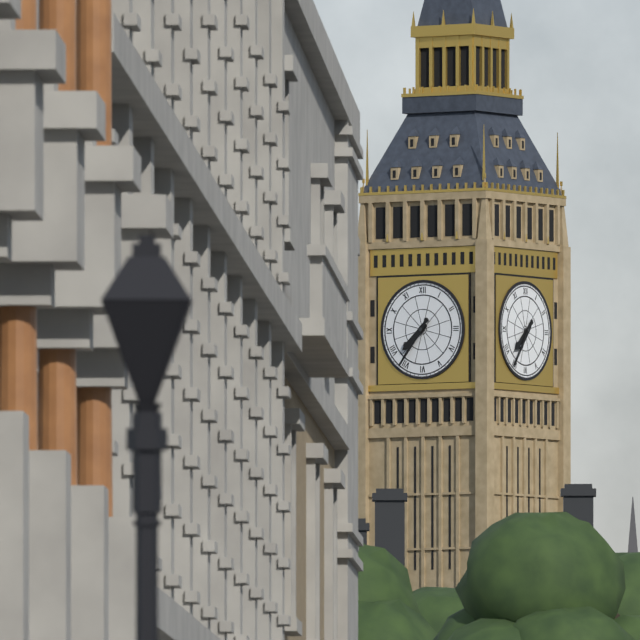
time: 7:36
